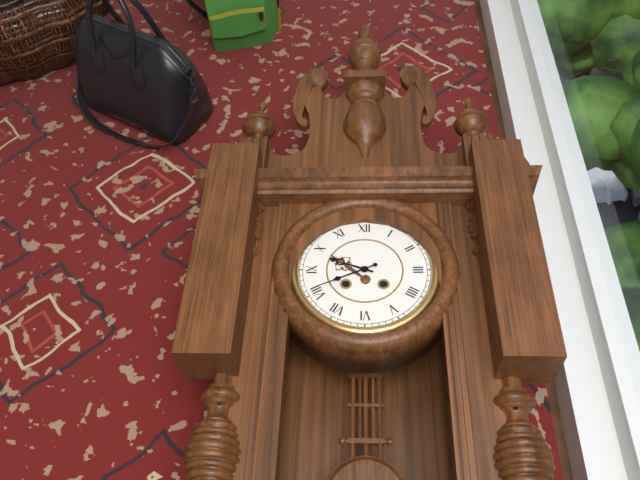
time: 9:41
